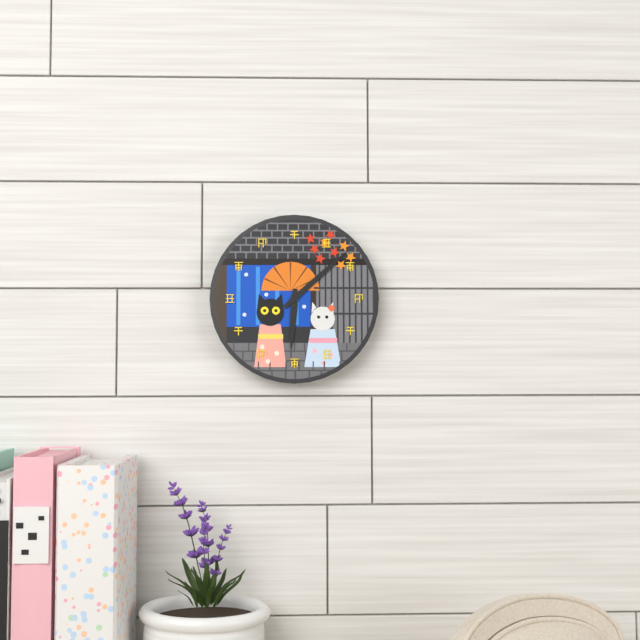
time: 6:08
